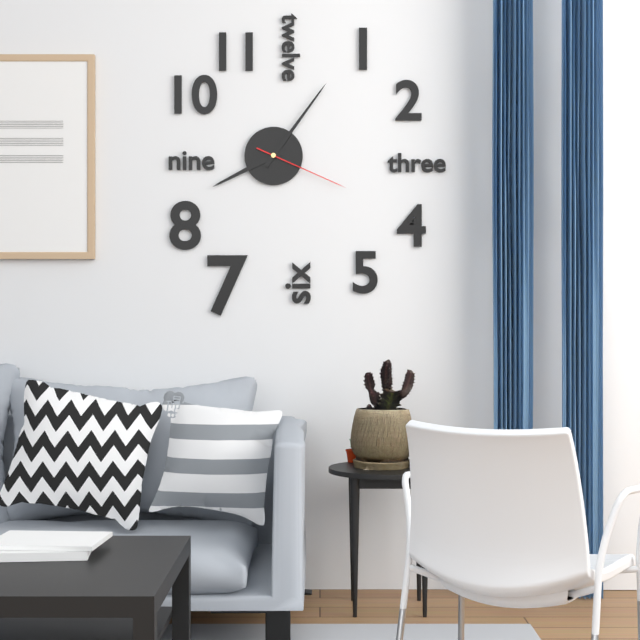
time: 8:06:19
